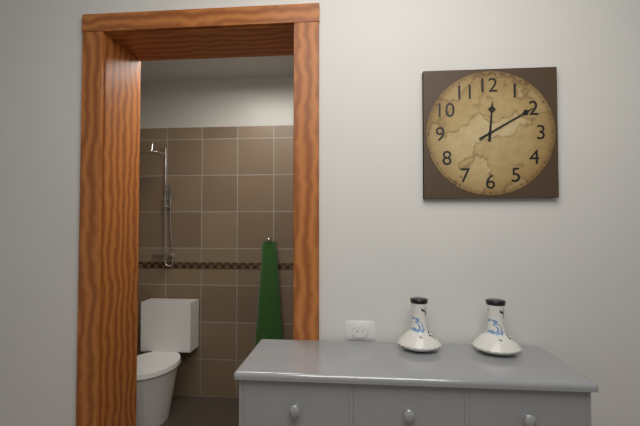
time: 12:10
